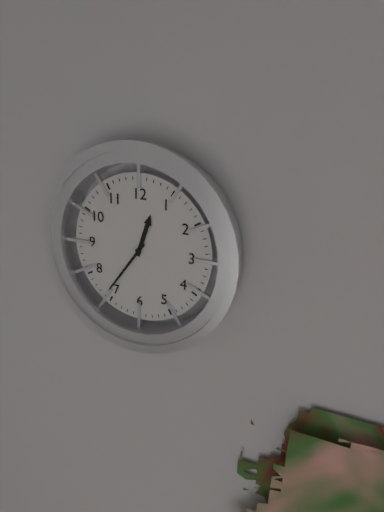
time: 12:36
